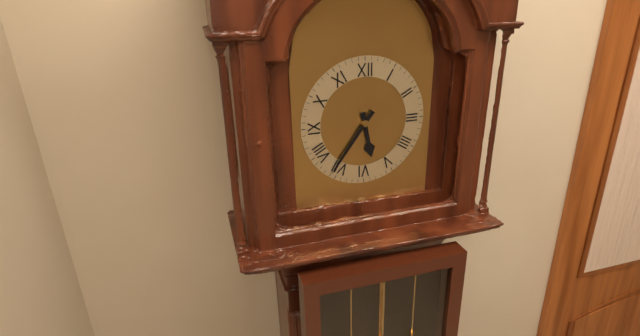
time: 5:36
